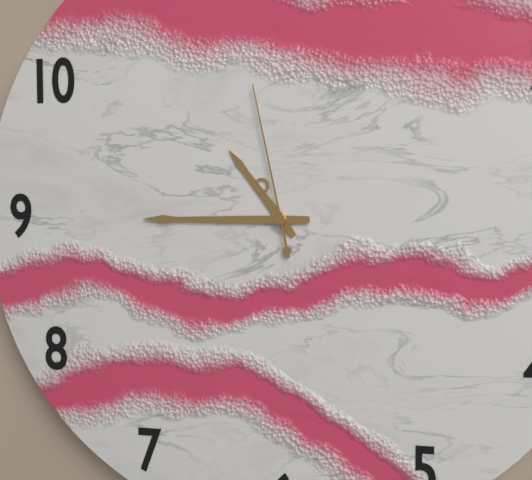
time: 10:45:58
